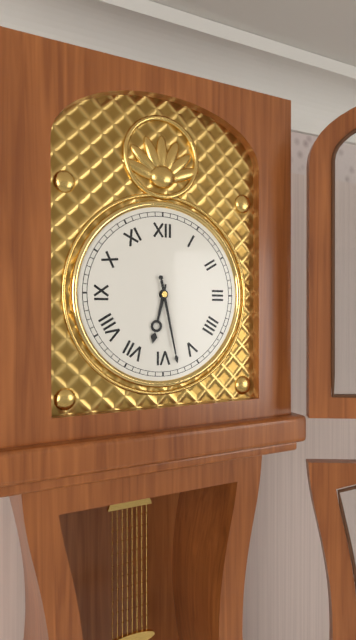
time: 6:28
